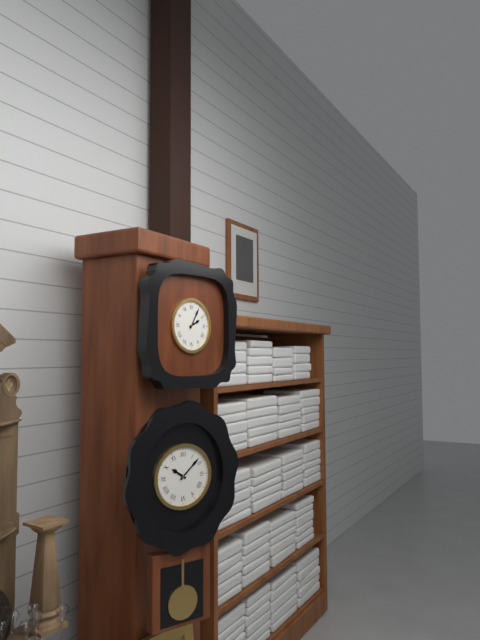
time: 2:05
